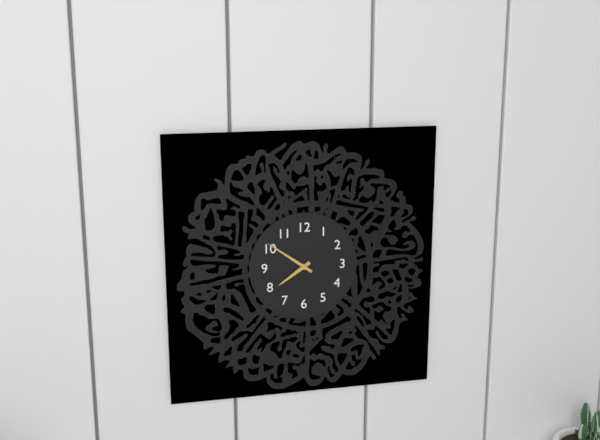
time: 7:51
